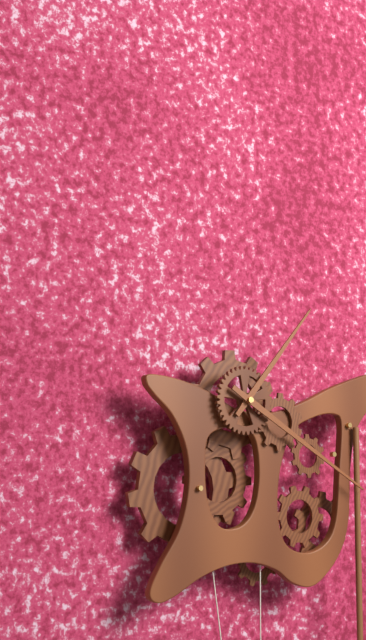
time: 1:20
